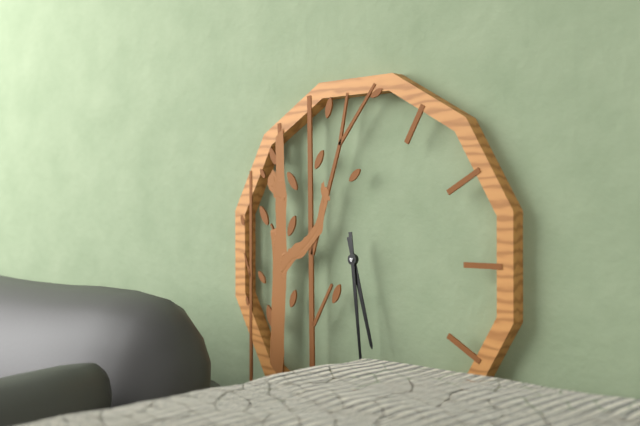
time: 5:29
